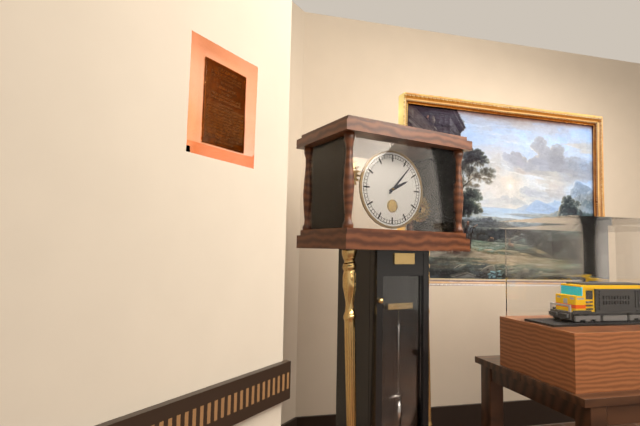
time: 2:07
